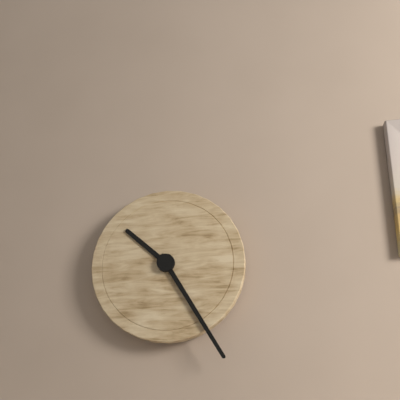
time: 10:25
